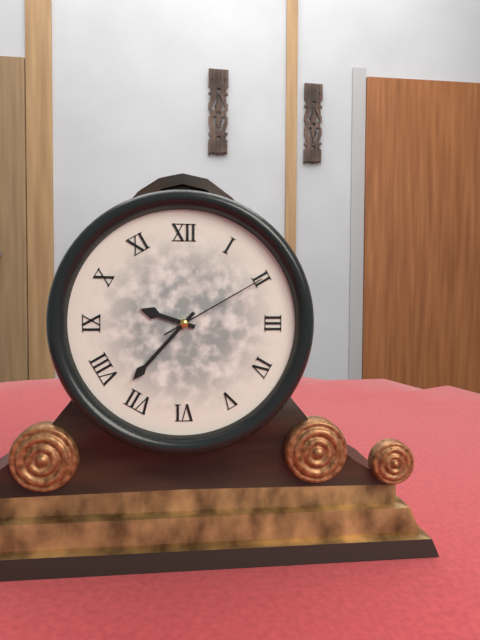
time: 9:37:10
